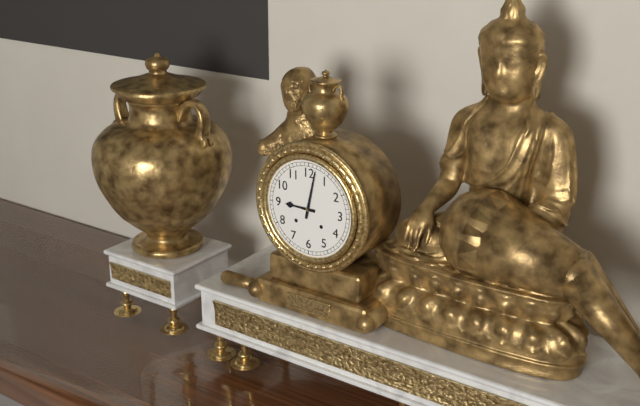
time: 9:02
